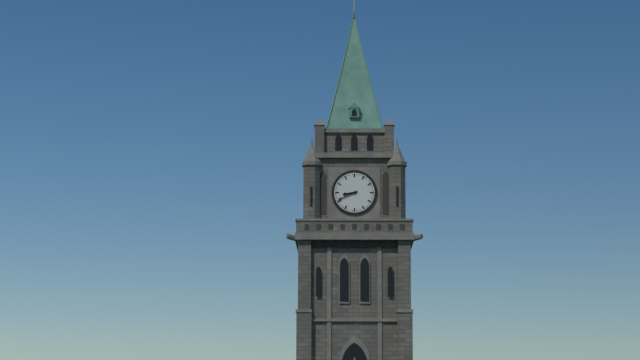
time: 8:41
